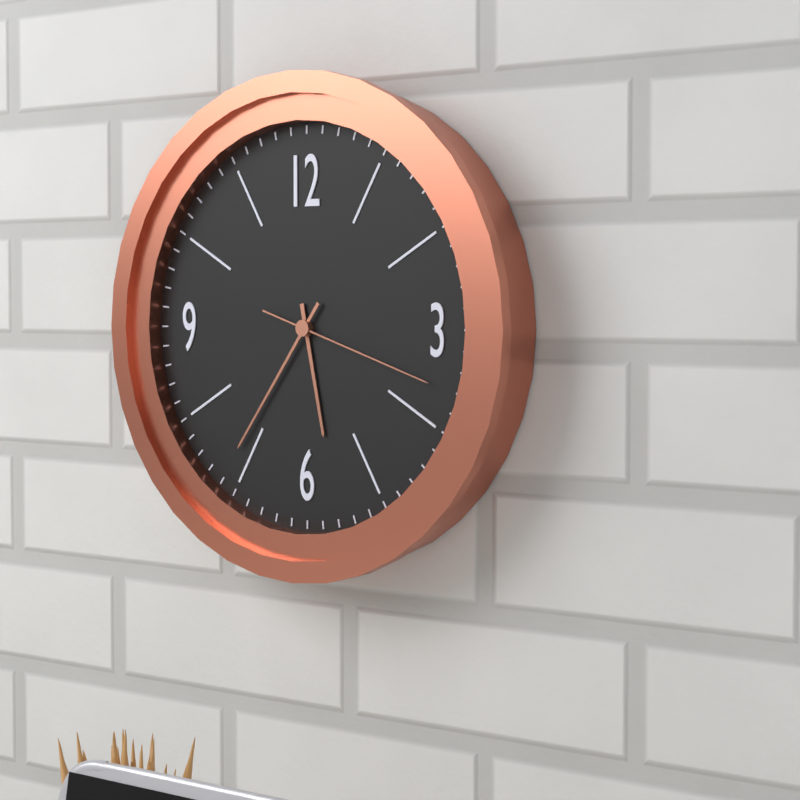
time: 5:36:18
